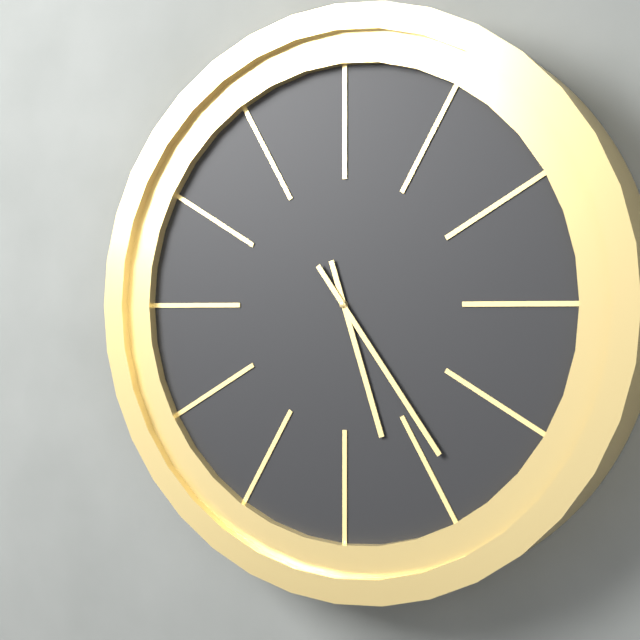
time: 5:24
